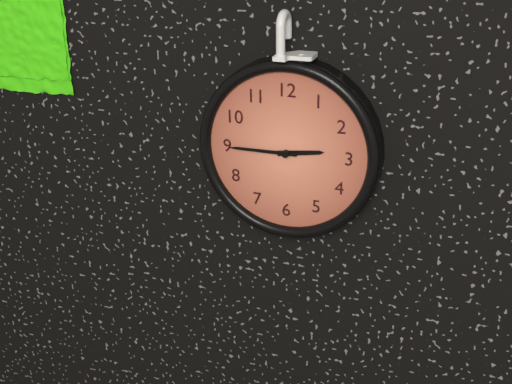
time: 2:45
